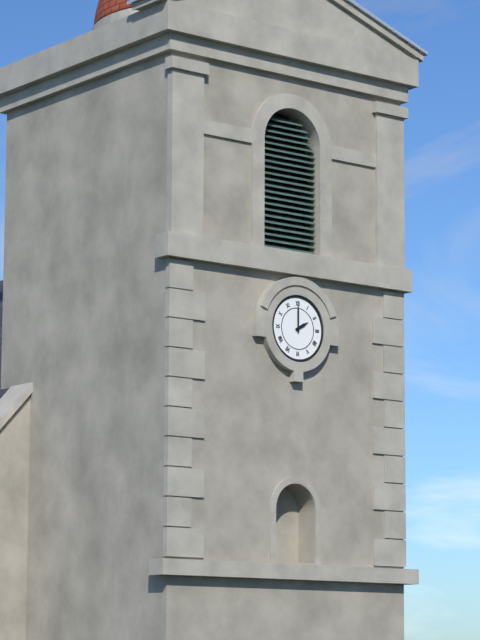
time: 2:00
